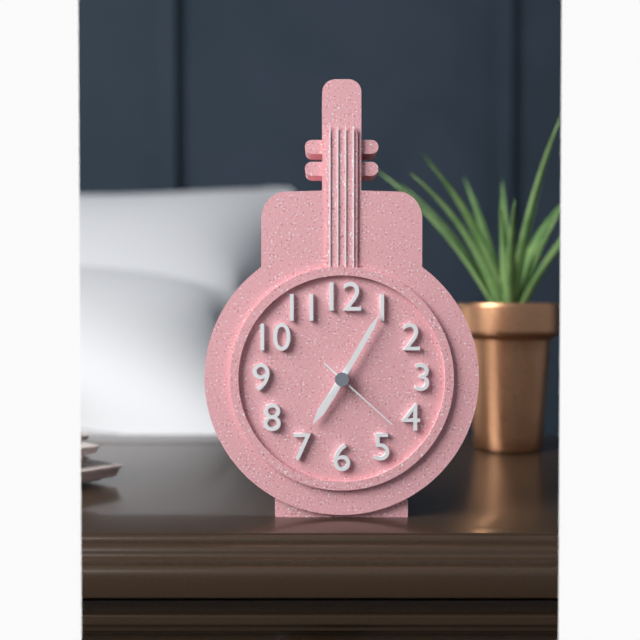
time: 7:05:22
